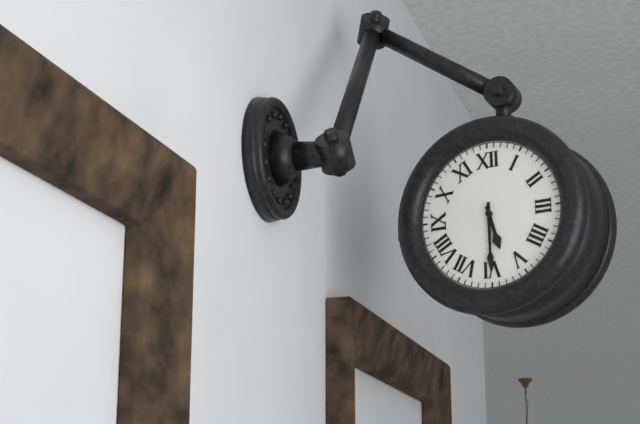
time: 5:30
